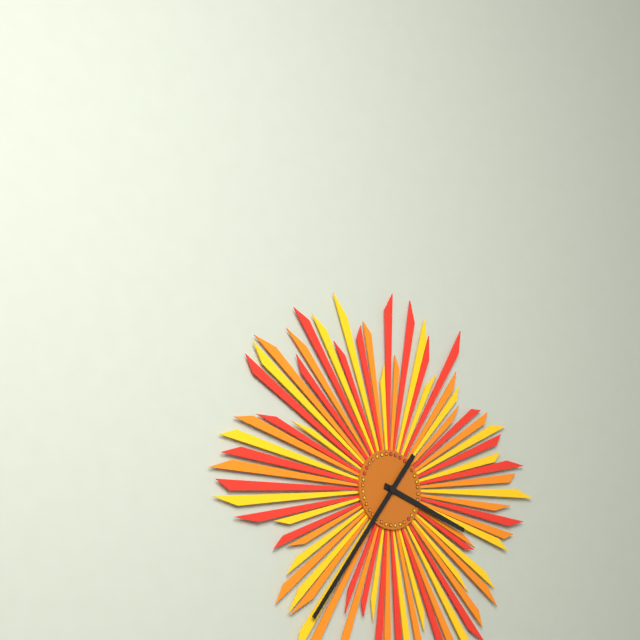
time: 3:36
